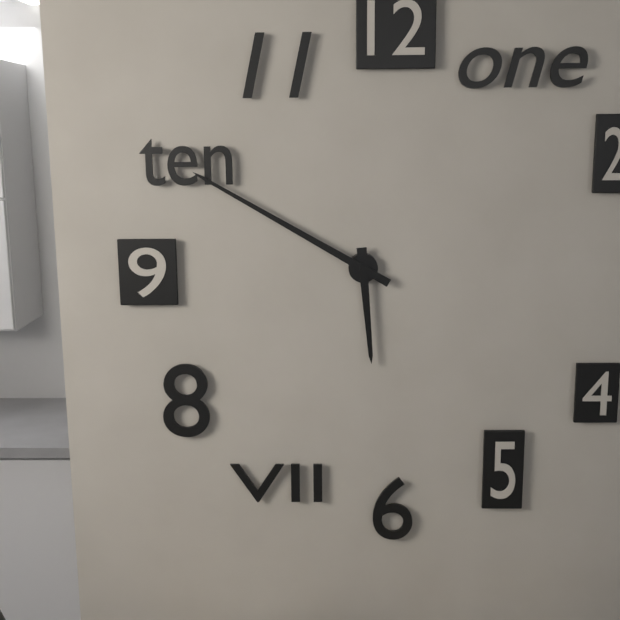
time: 5:50
